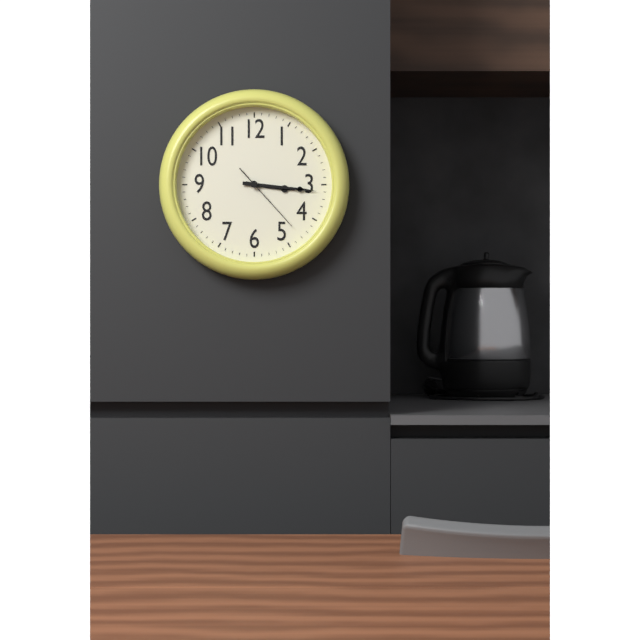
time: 3:16:23
